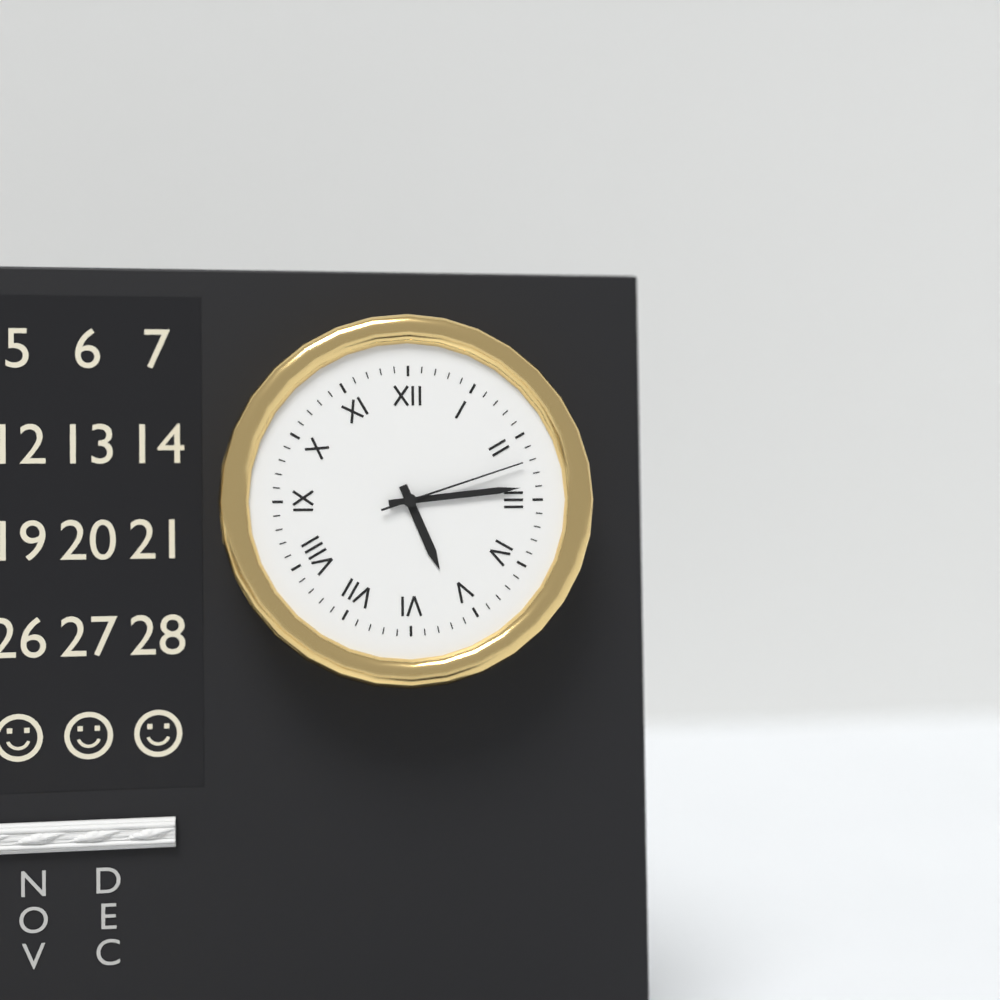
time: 5:14:12
